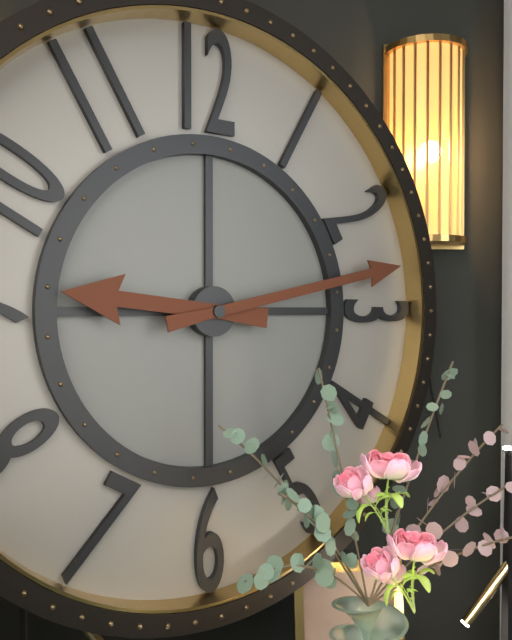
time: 9:13
